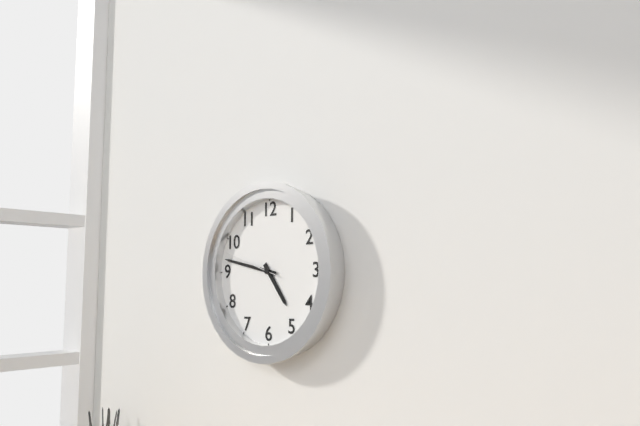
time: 4:47:48
